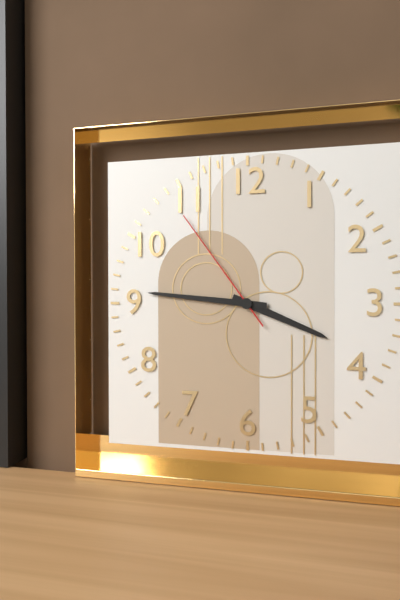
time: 3:46:54
